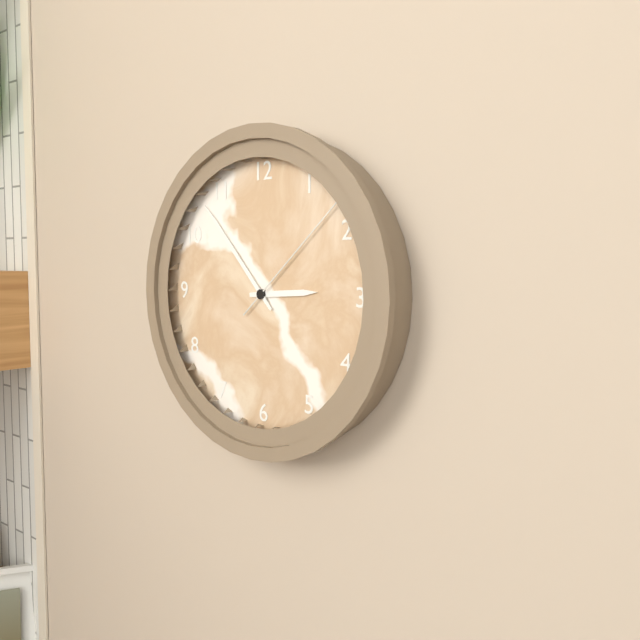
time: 2:53:08
